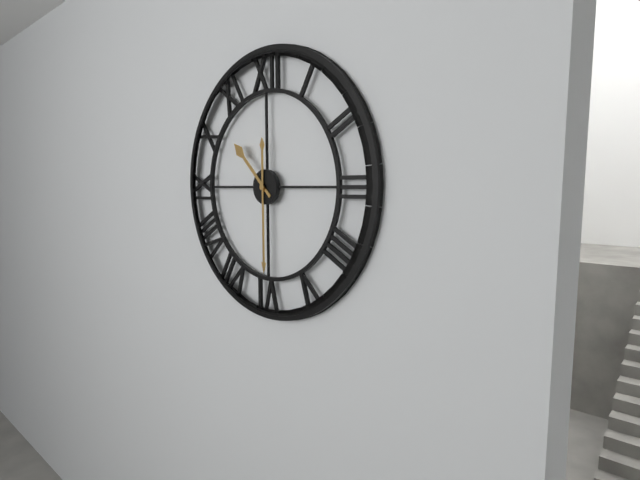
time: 10:30
